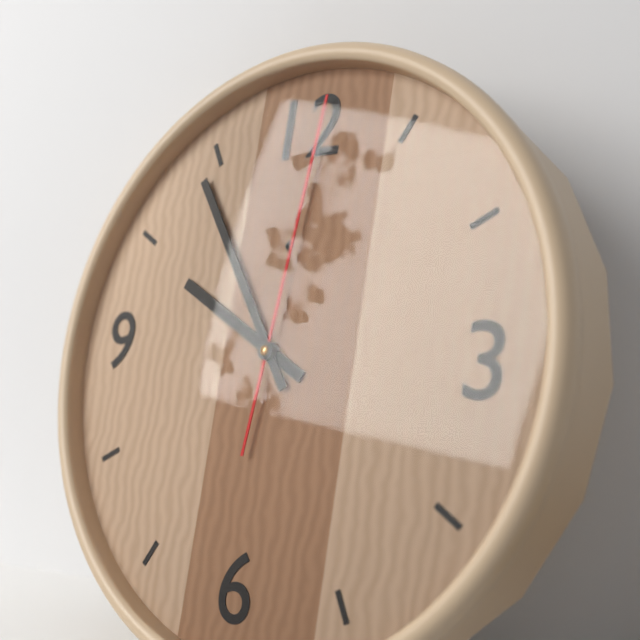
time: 9:54:01
